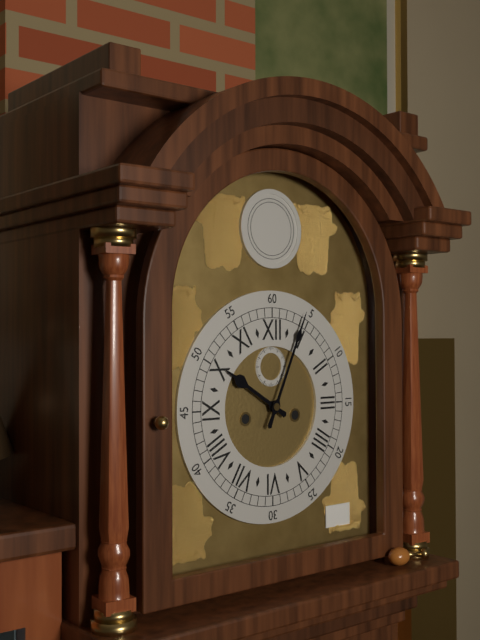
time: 10:04
